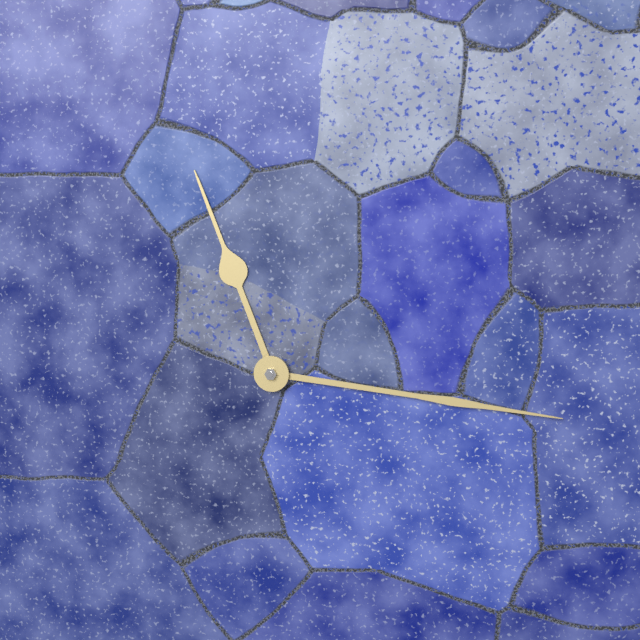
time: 11:16
